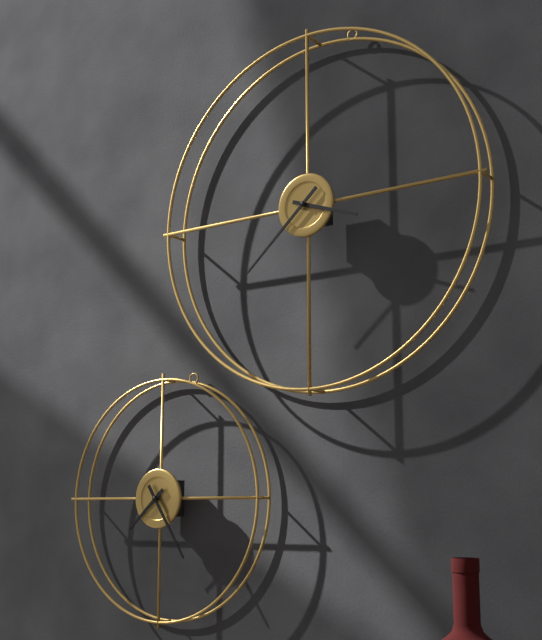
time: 3:38
